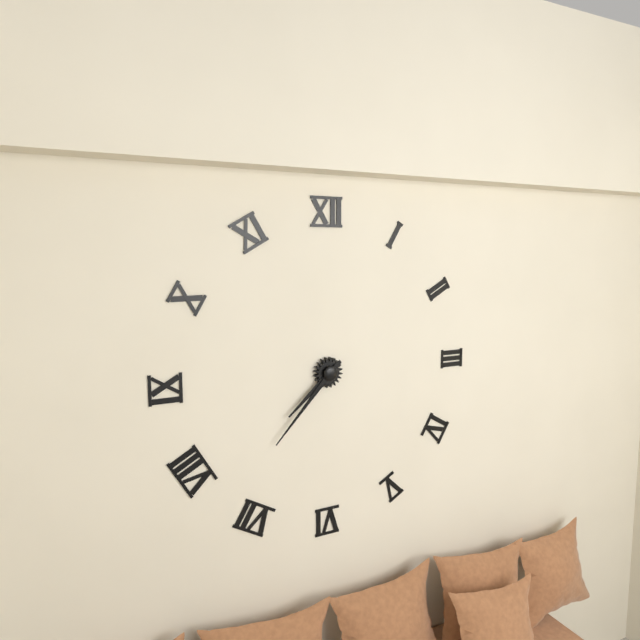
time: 7:37
